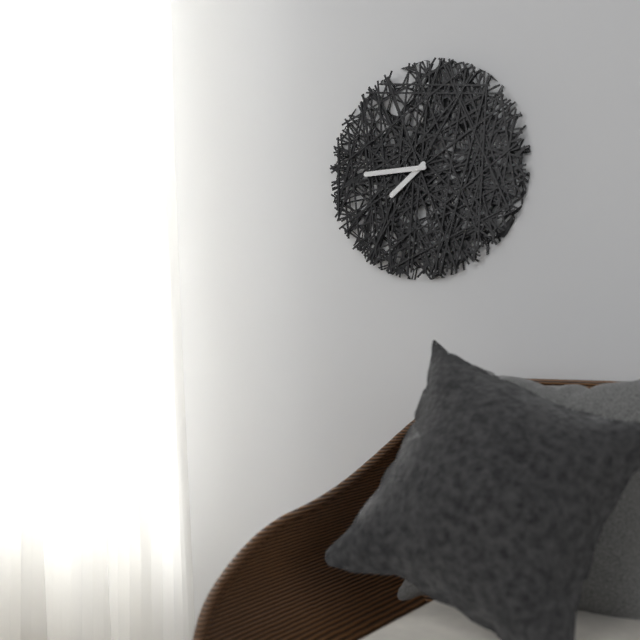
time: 7:45
